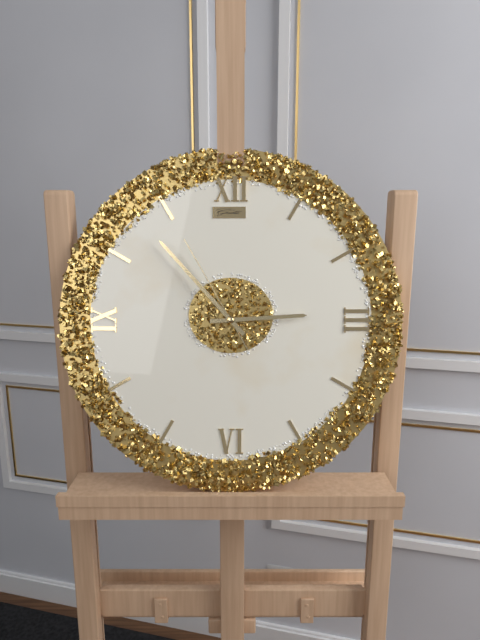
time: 2:53:55
